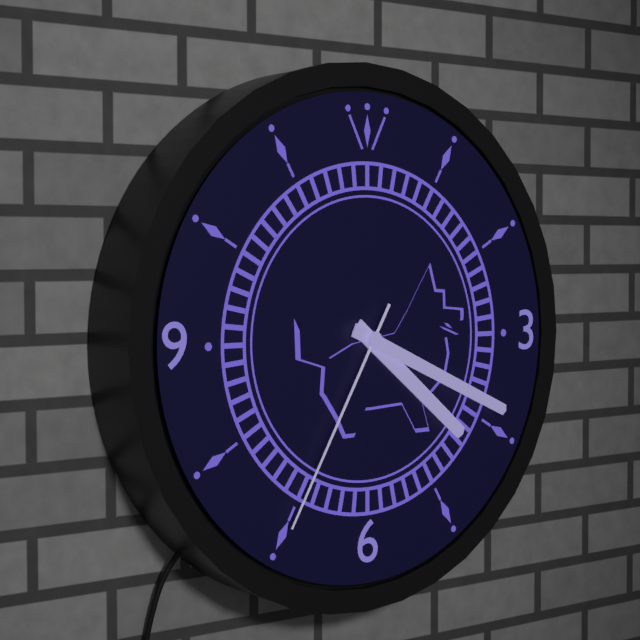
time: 4:19:35
